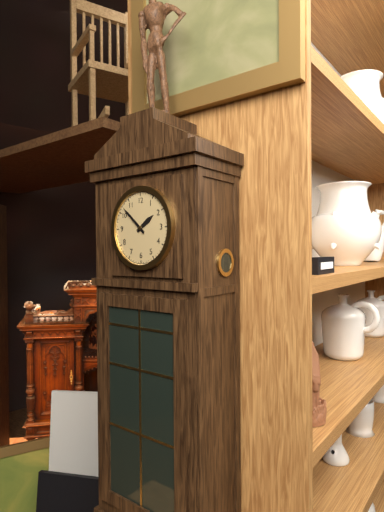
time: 1:52
